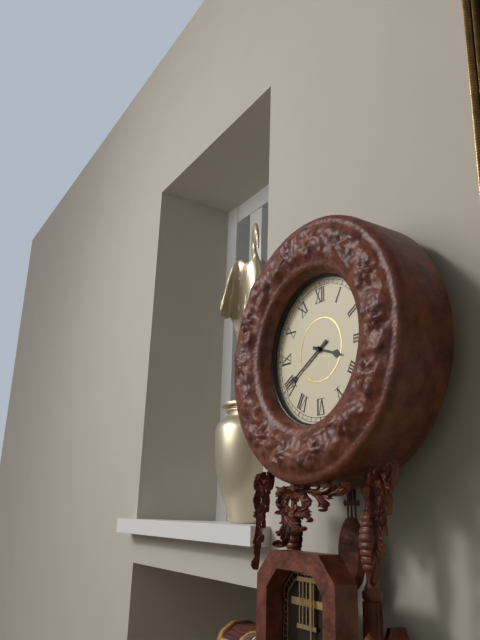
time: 3:40
